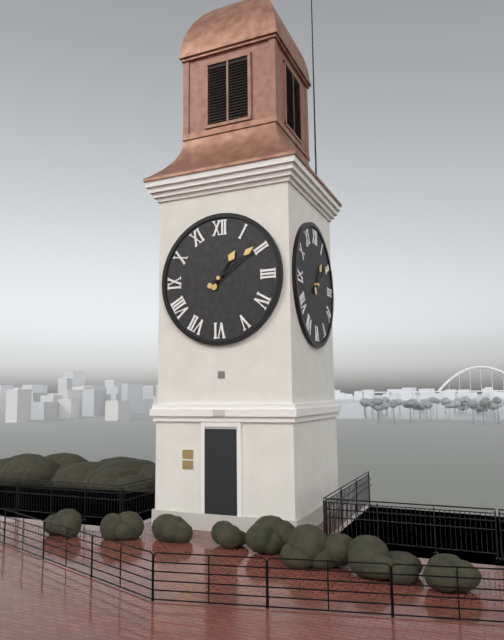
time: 1:09
